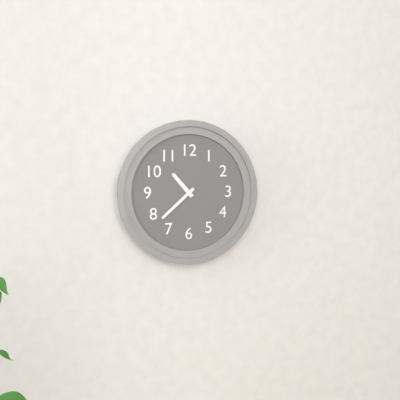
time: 10:38
